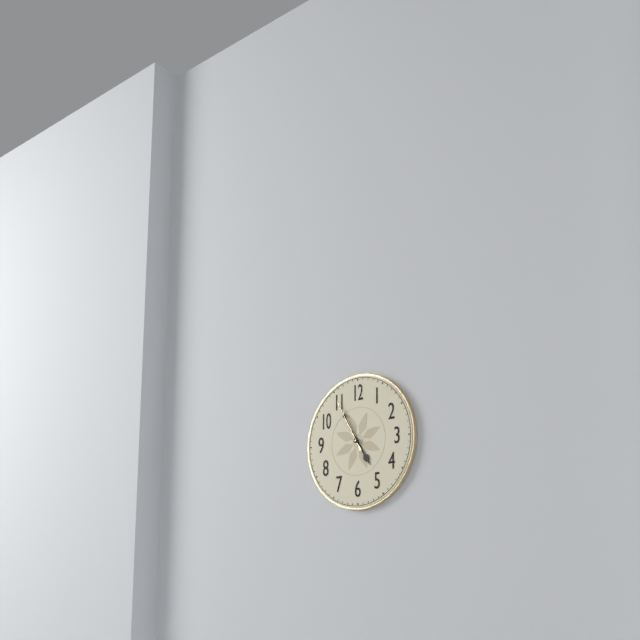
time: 4:55:55
